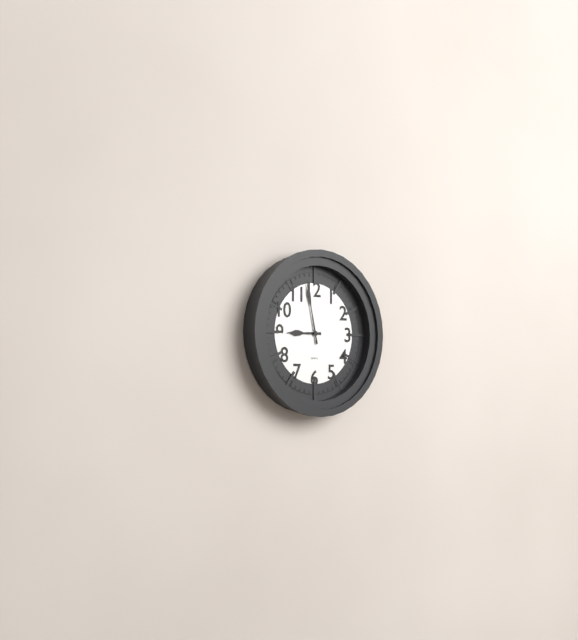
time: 8:58
